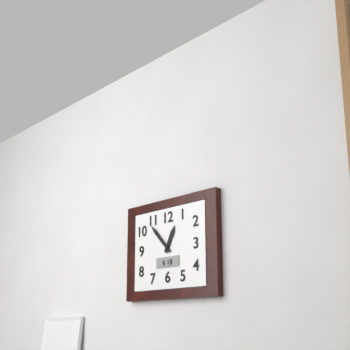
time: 12:53
